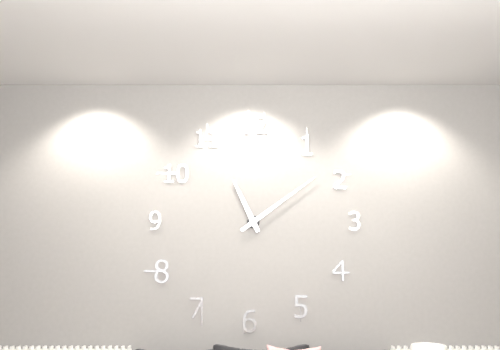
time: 11:09
